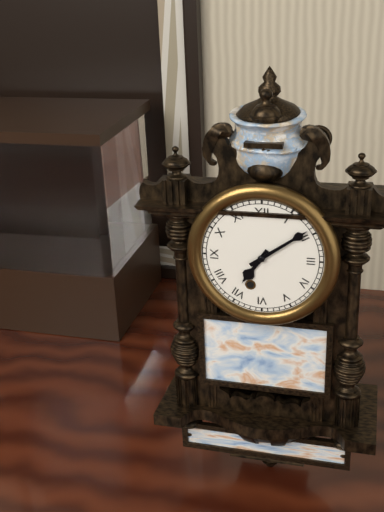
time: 7:09
